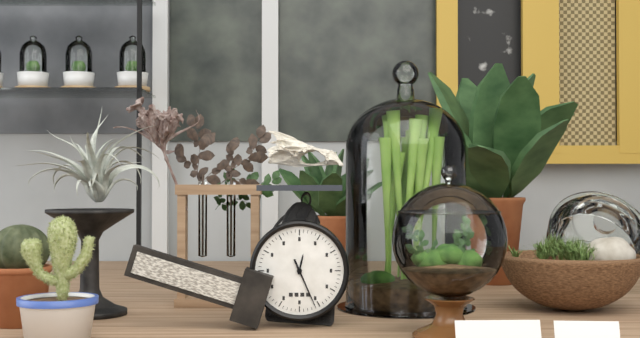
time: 12:26
